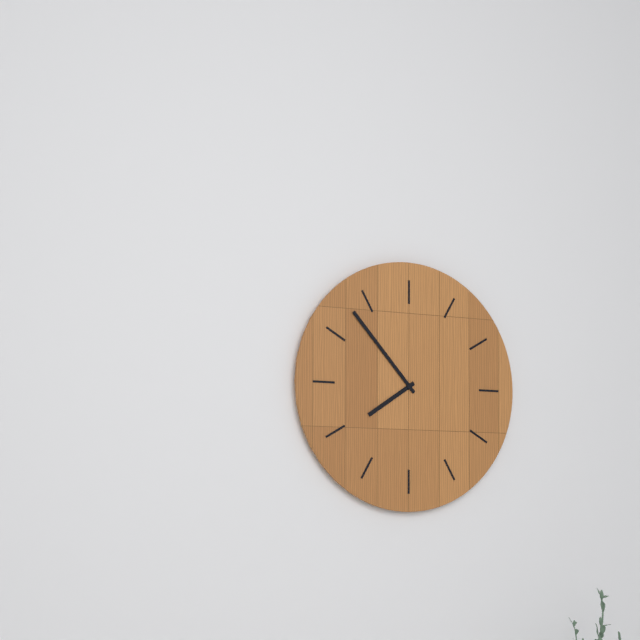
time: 7:53
